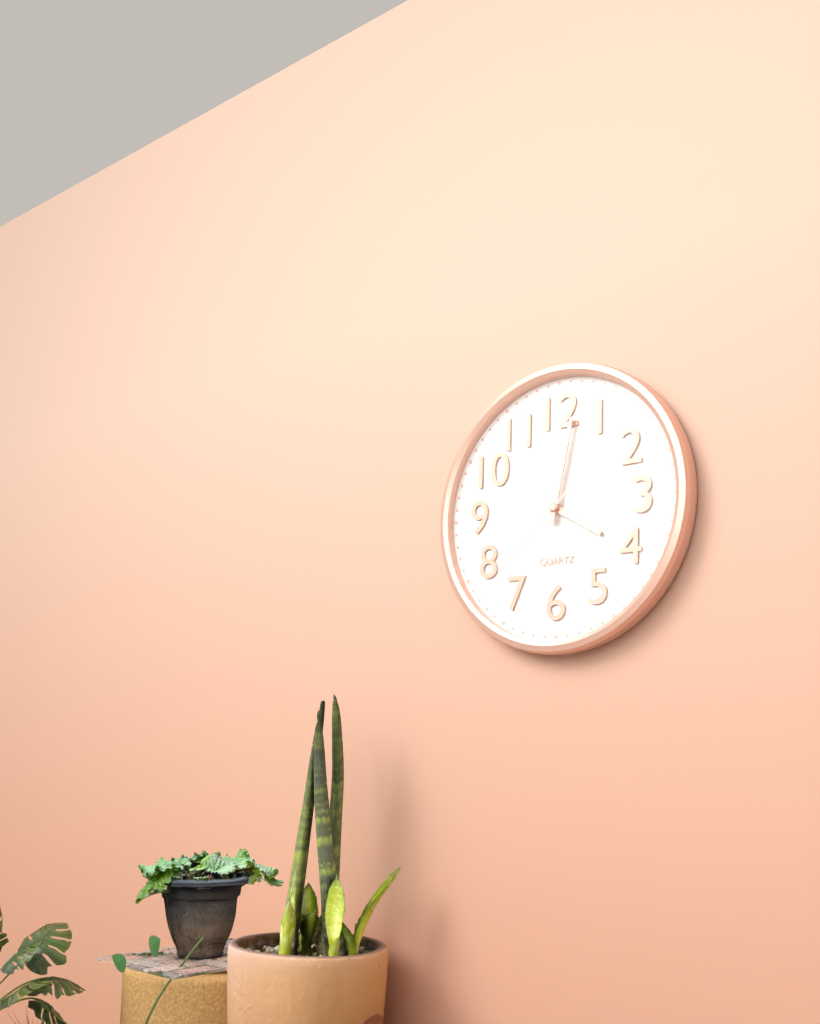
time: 4:02:38
